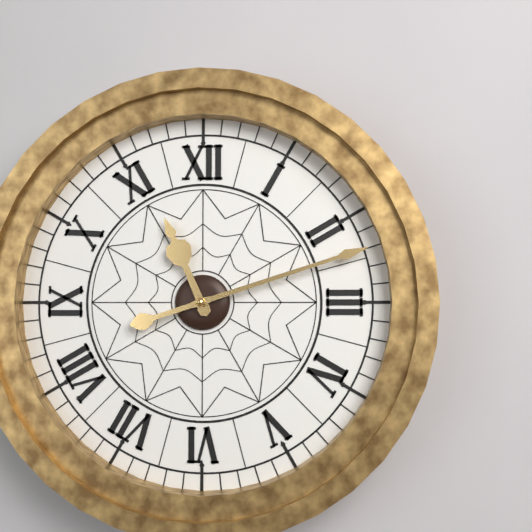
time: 11:12
